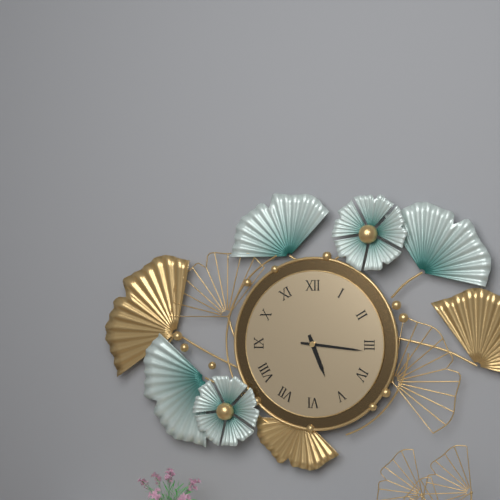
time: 5:16
